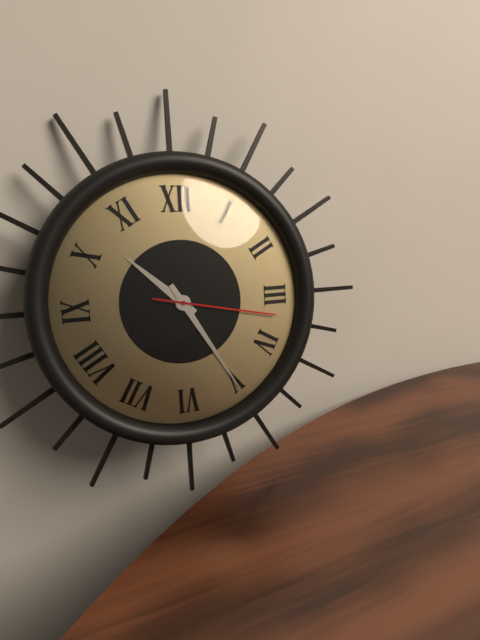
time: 10:25:17
